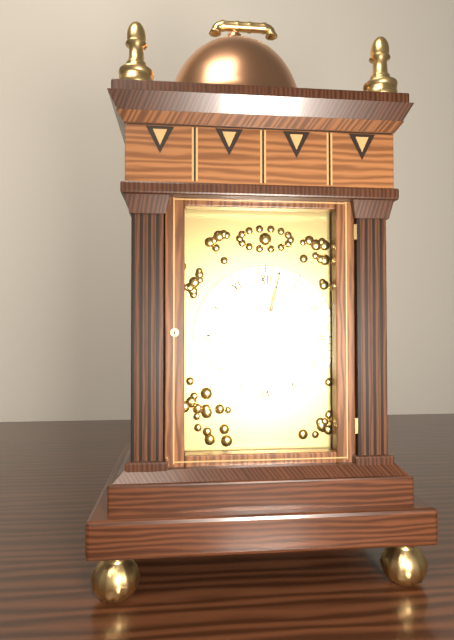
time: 7:02
